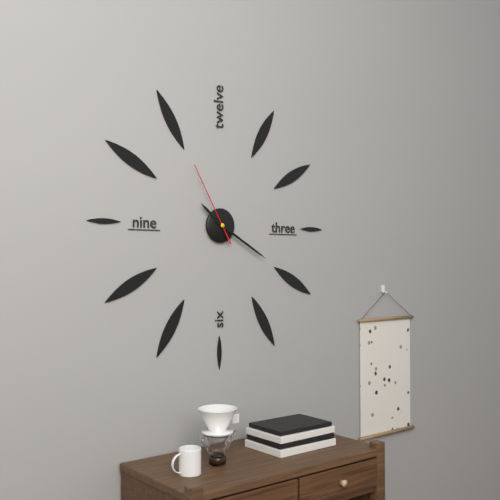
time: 10:20:55
